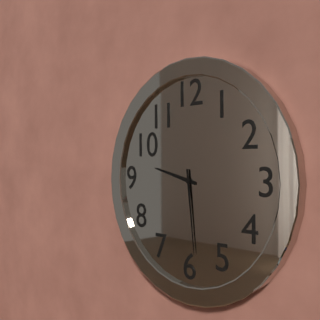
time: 9:29
